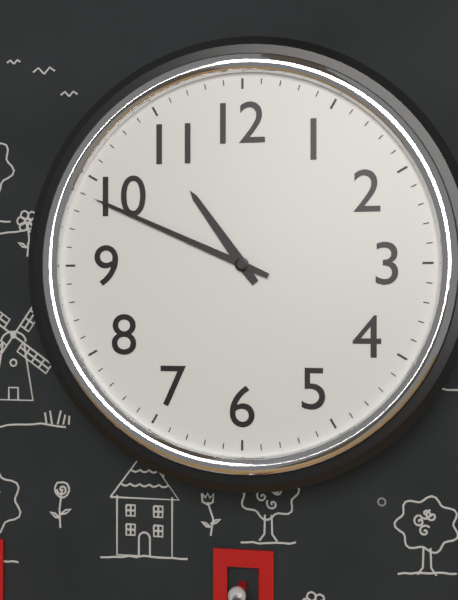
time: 10:49
